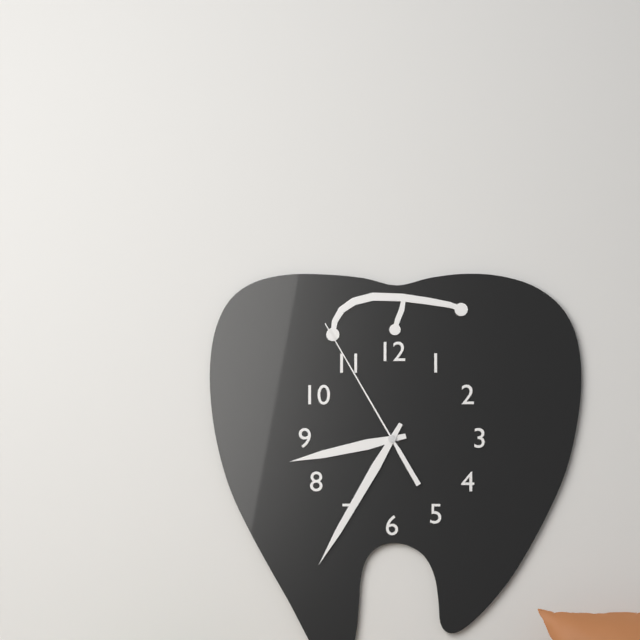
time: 8:35:55
